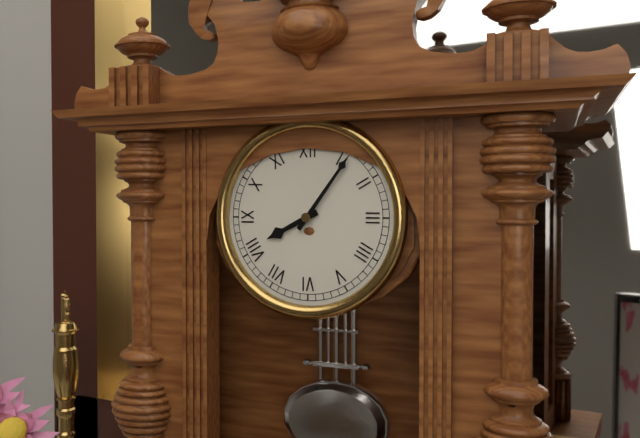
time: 8:06
